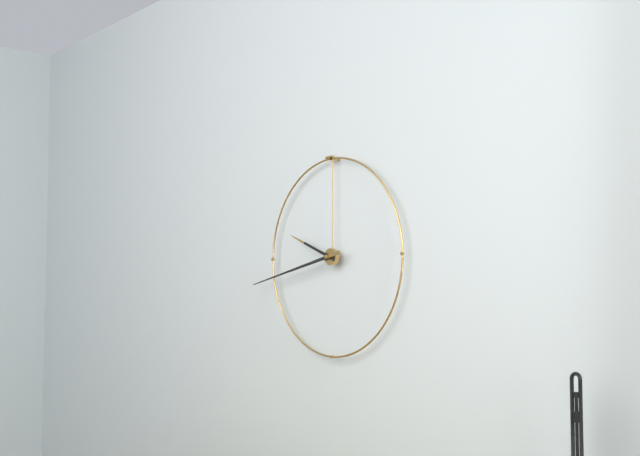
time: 9:43
